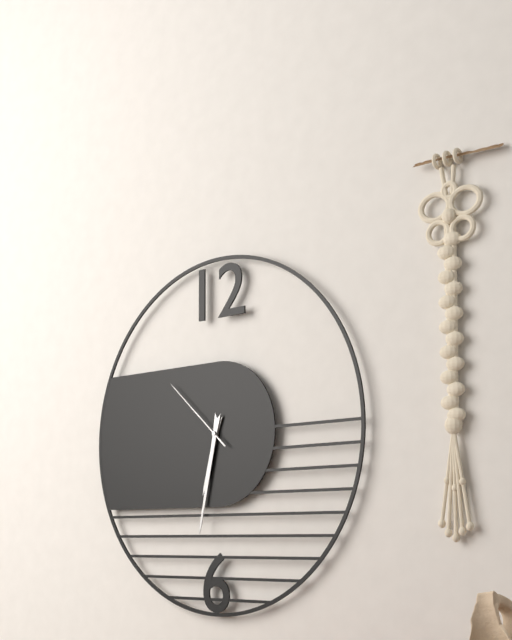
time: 6:32:52
